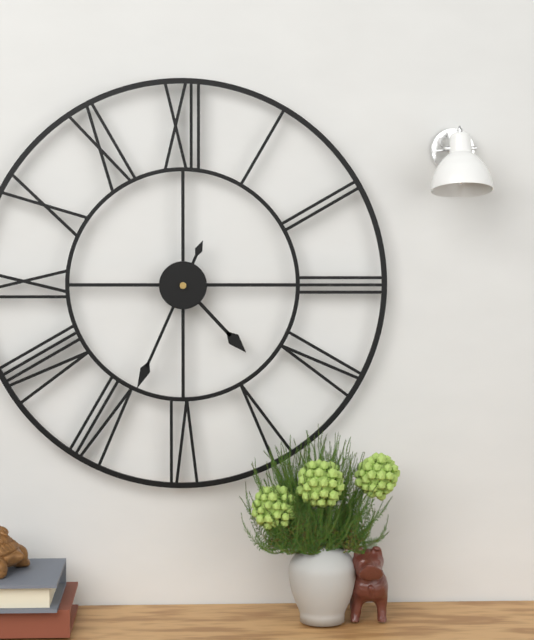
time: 4:34
